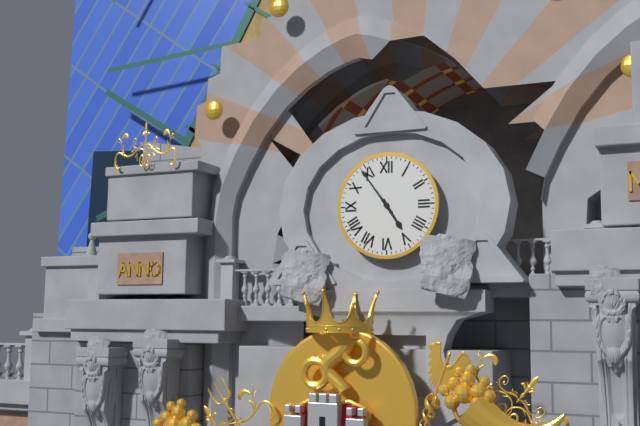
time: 4:54
